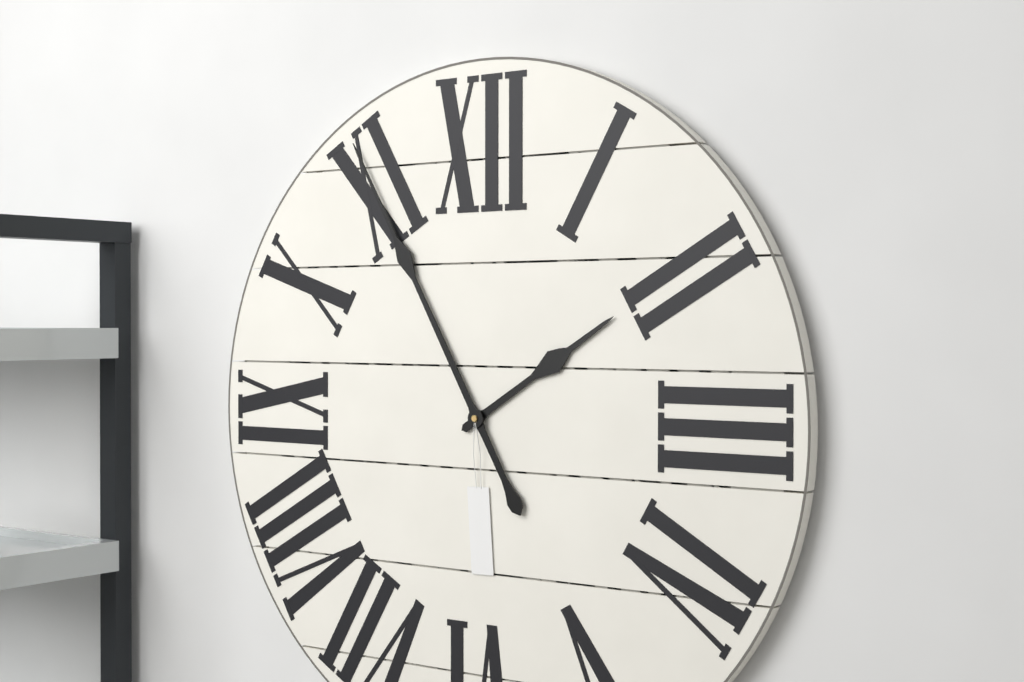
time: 1:55
